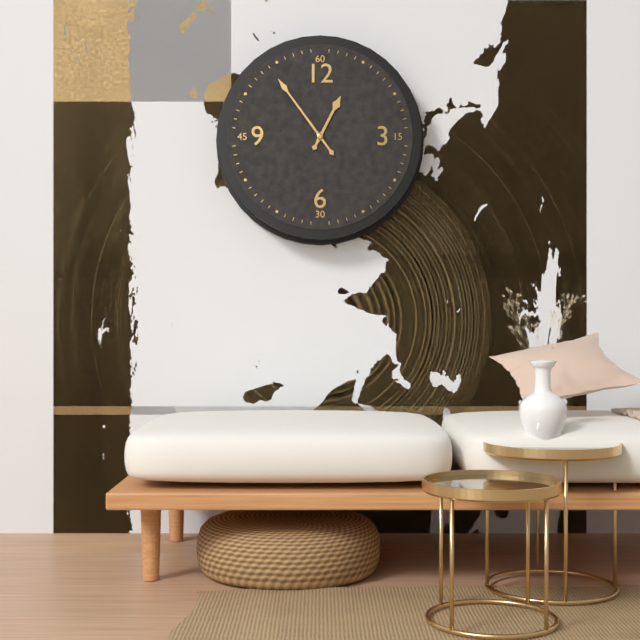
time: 12:54
